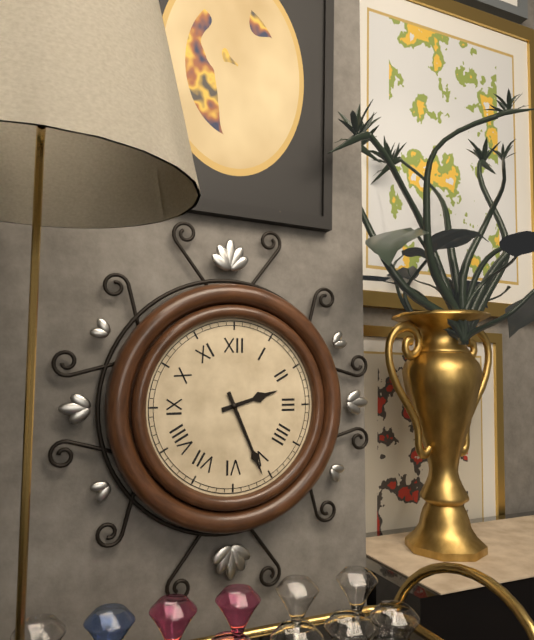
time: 2:26
